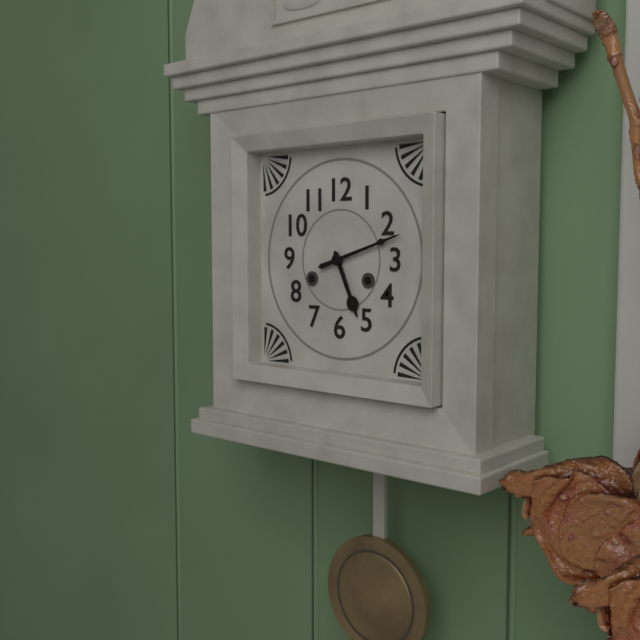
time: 5:12
